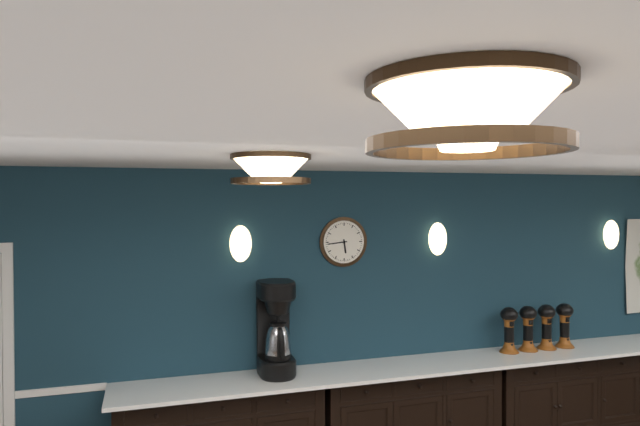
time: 5:44
